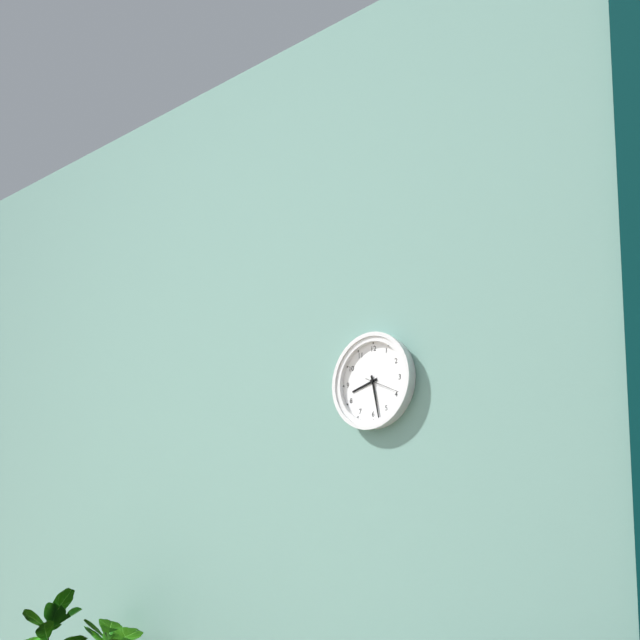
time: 8:28
